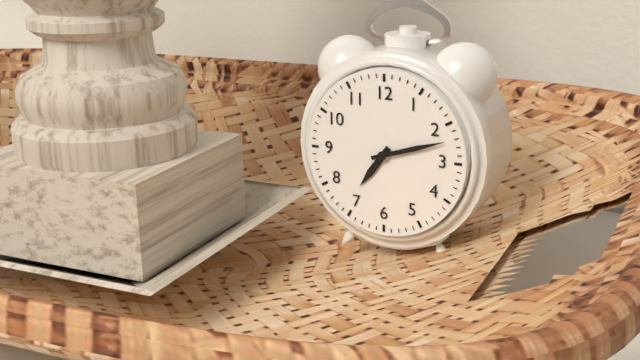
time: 7:12
